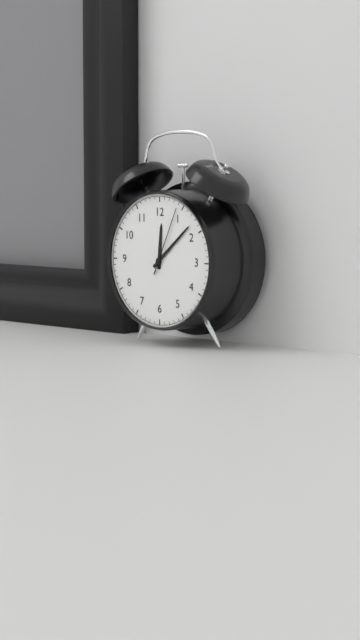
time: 12:08:04
